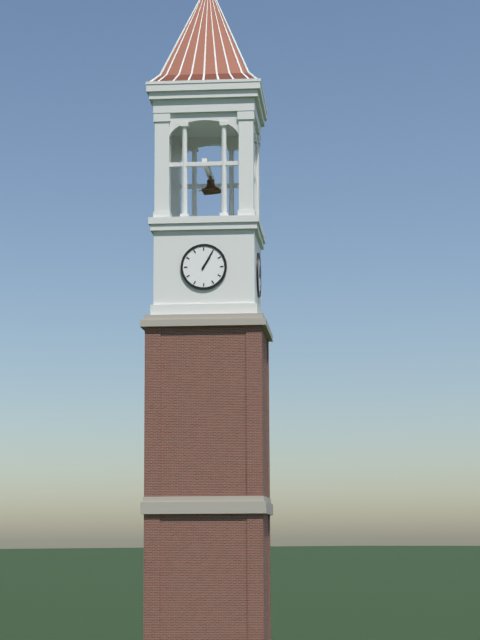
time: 1:05
